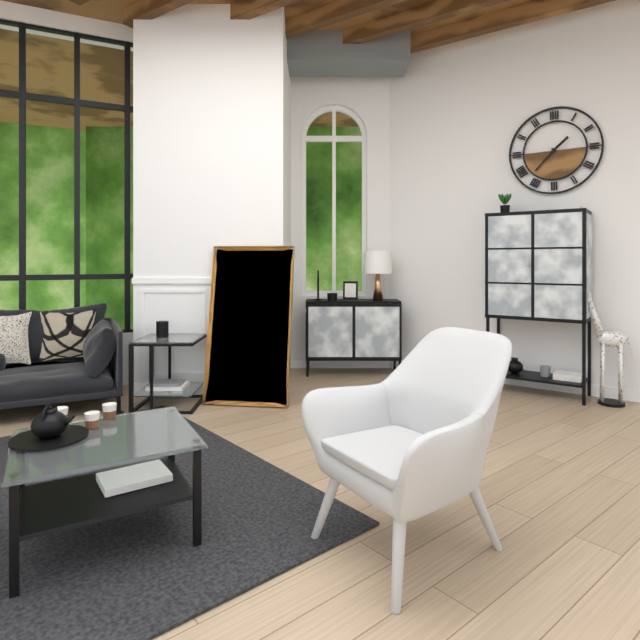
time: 1:37
